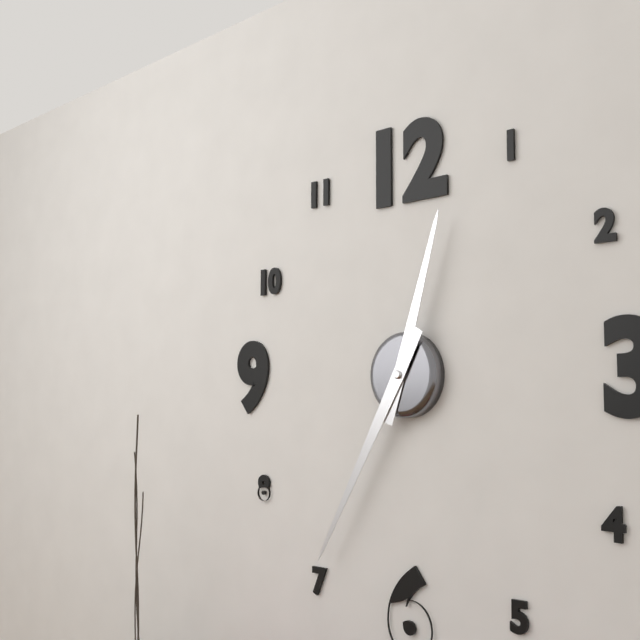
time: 12:35
